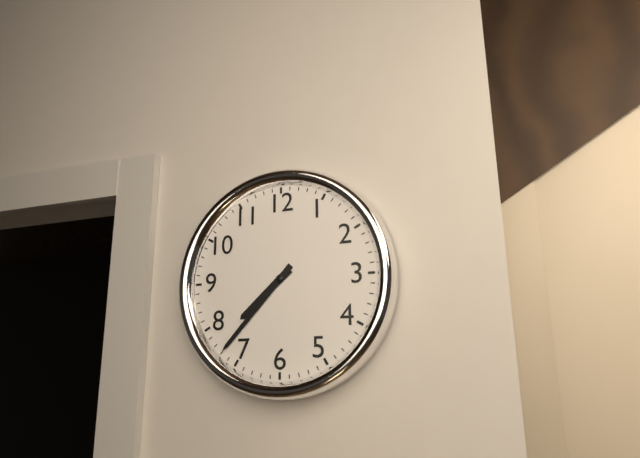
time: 7:37
